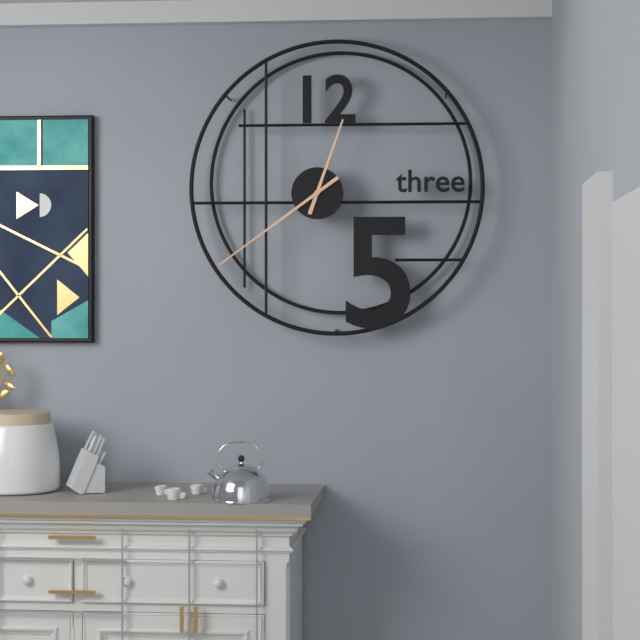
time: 12:39
